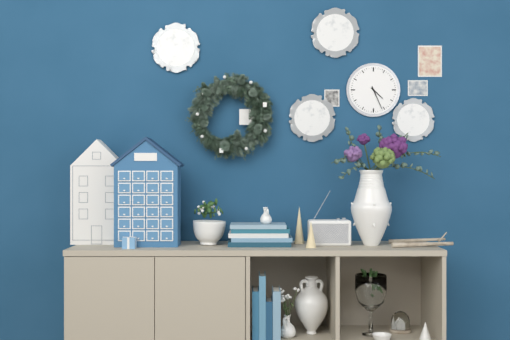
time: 4:26
